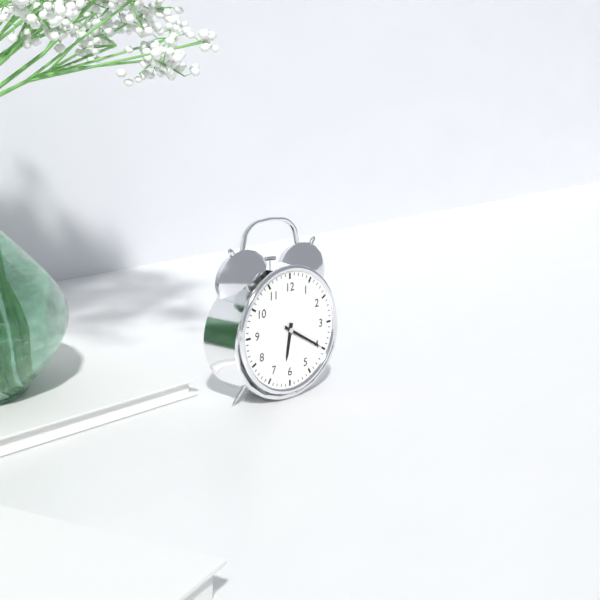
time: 6:20
